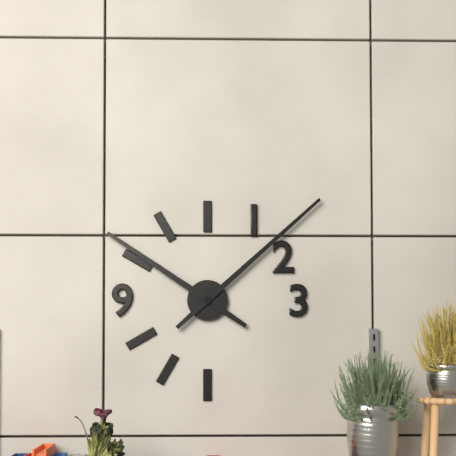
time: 10:08
